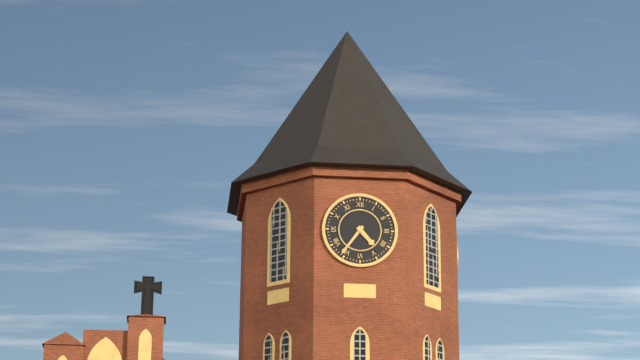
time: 4:36
